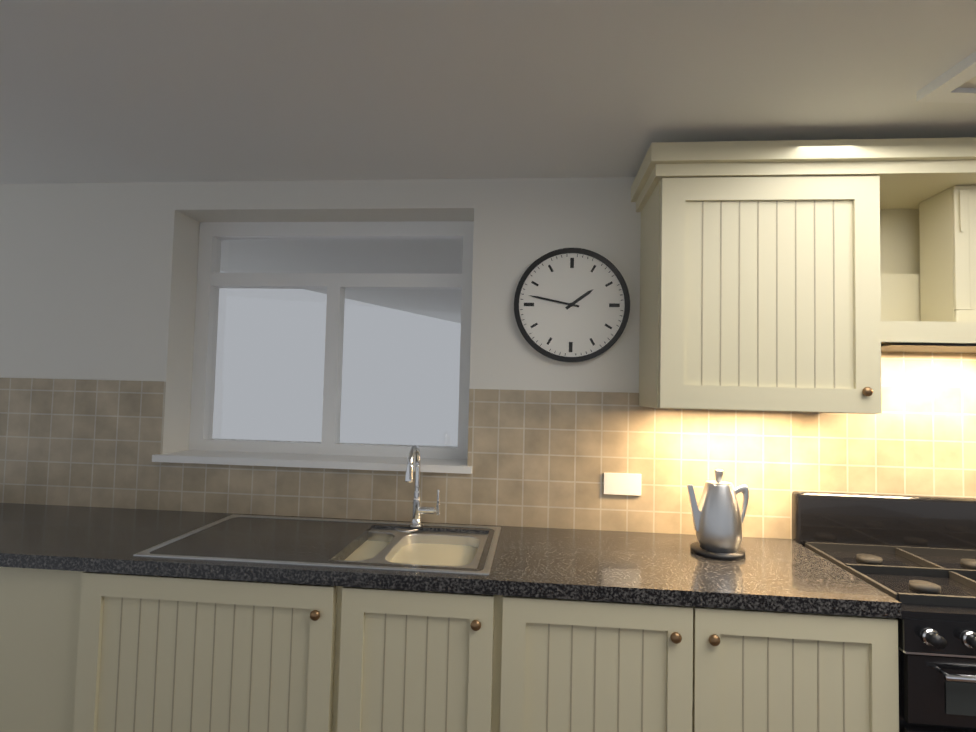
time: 1:47
